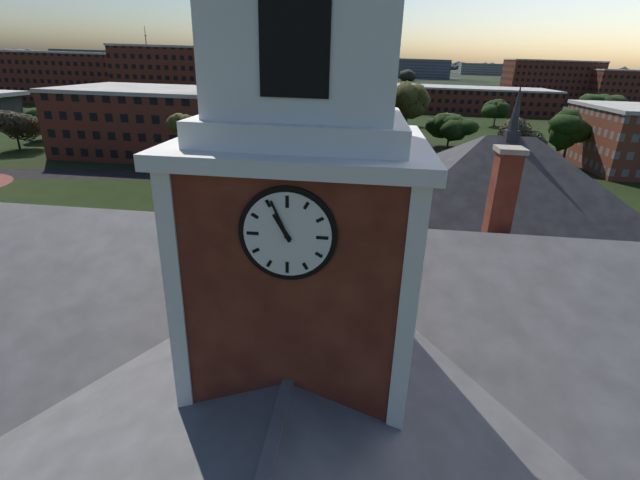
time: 10:56
